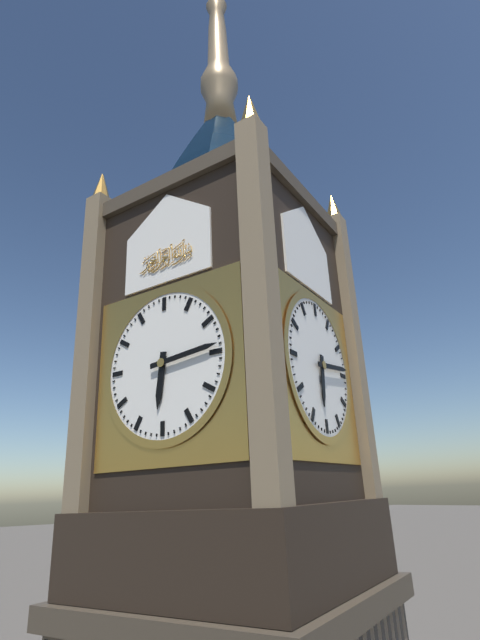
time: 6:14
